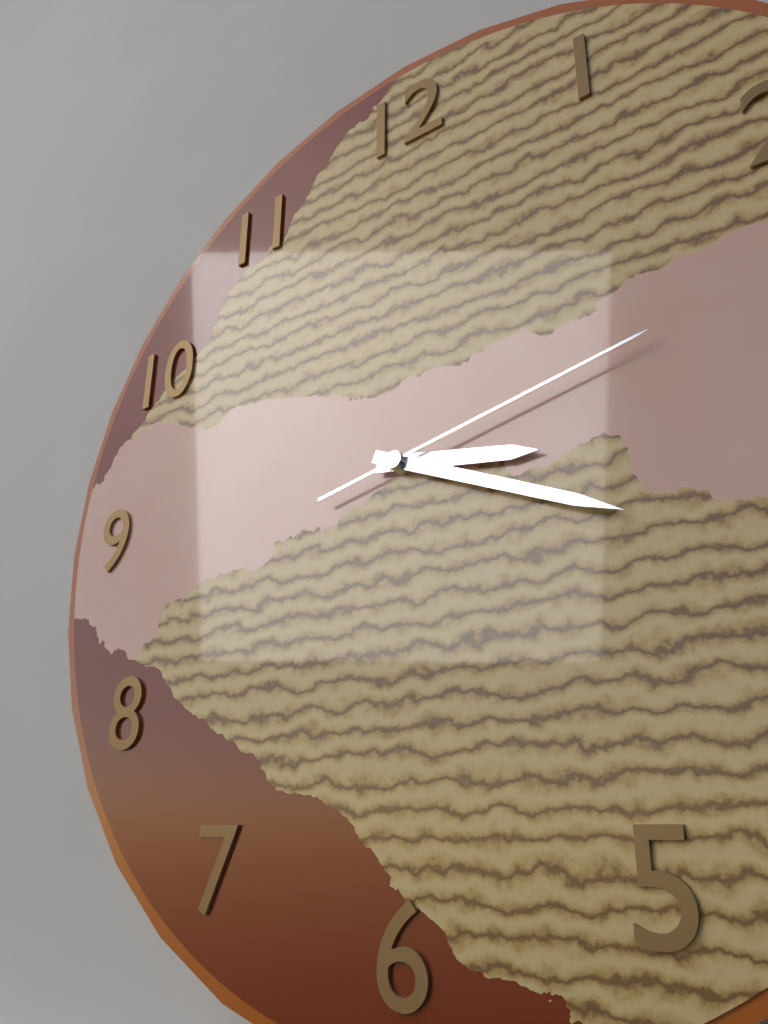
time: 3:19:13
